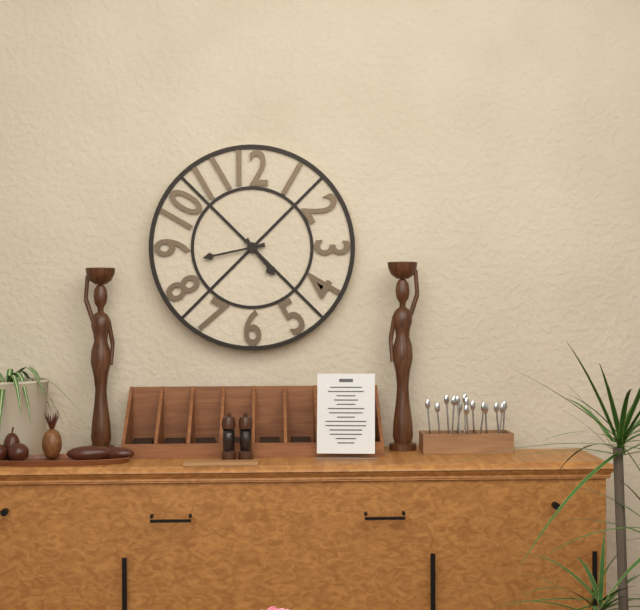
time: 4:43
